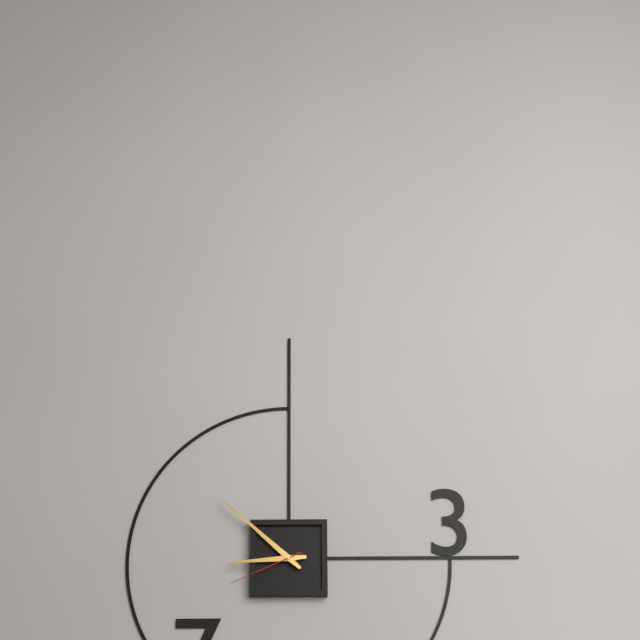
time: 8:52:41
